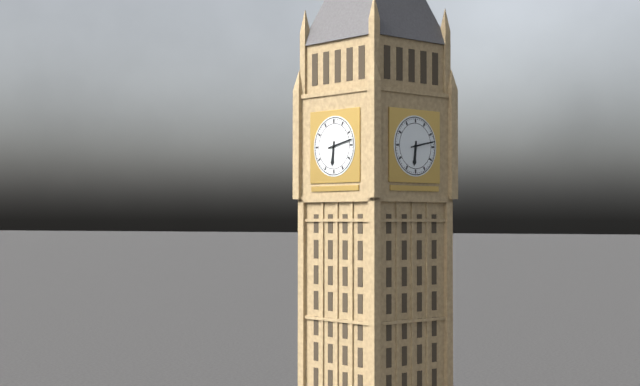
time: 6:13
